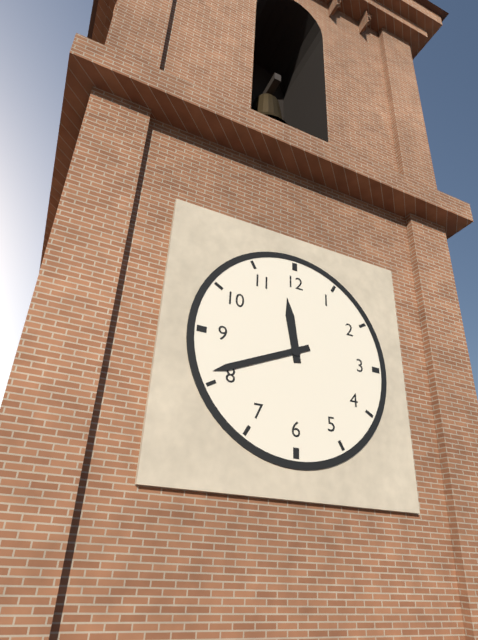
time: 11:41
